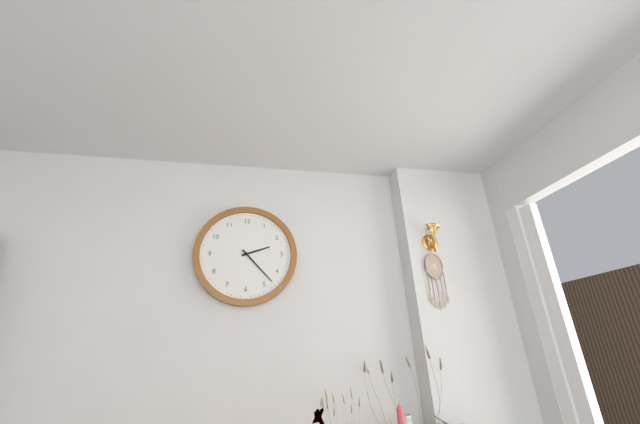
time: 2:23
